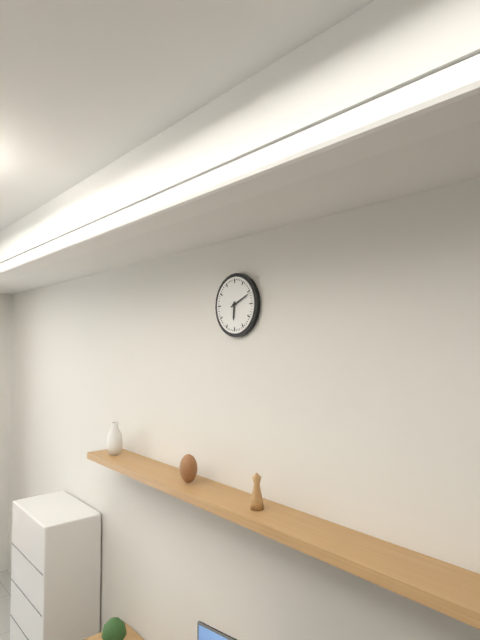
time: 6:11
